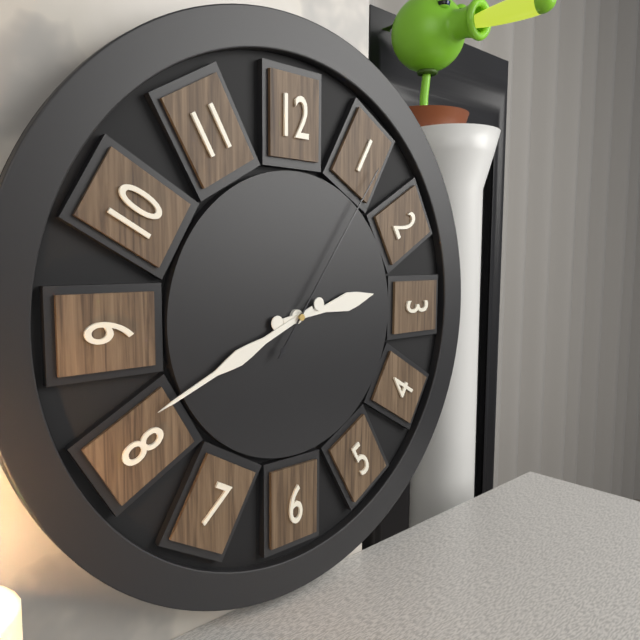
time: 2:41:06
